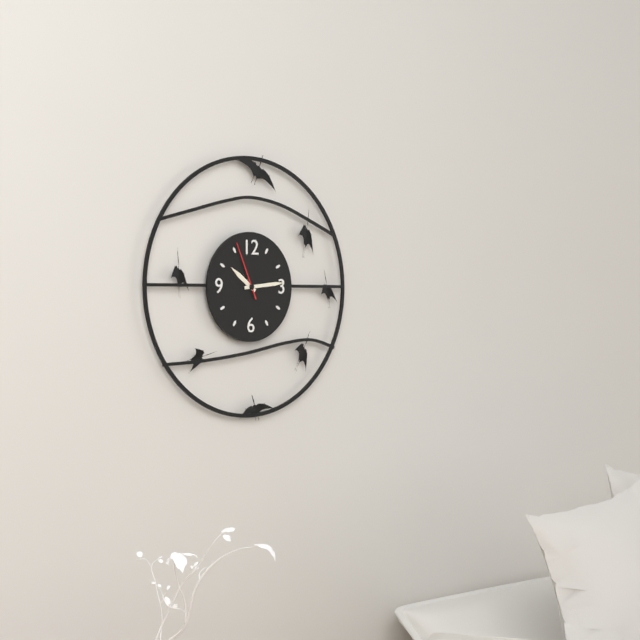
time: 10:14:56
